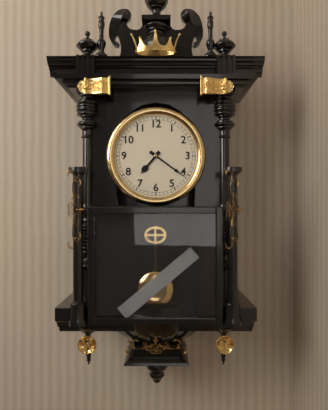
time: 7:21
